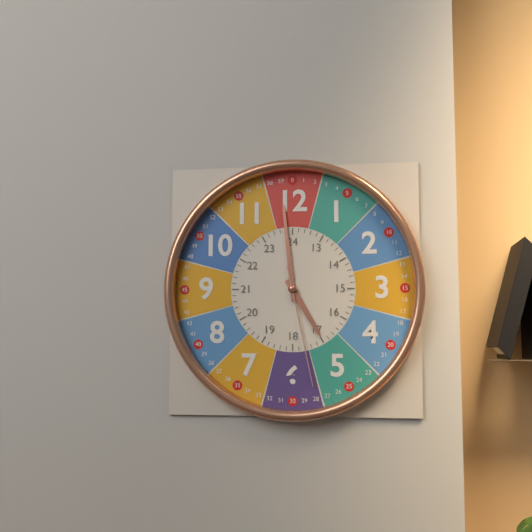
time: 4:59:28
